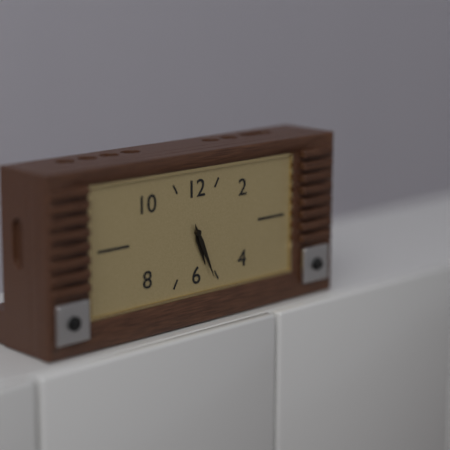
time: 5:26
